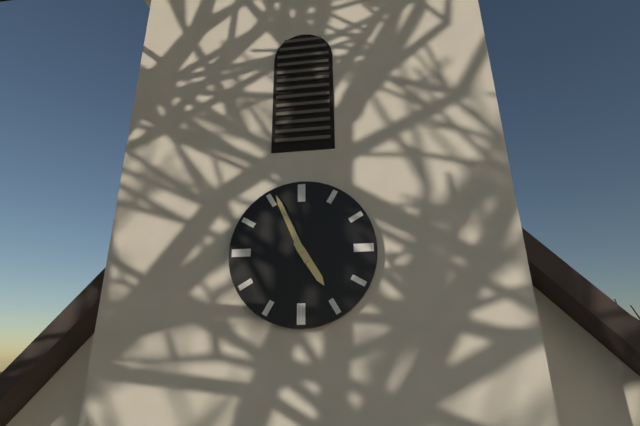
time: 4:56
